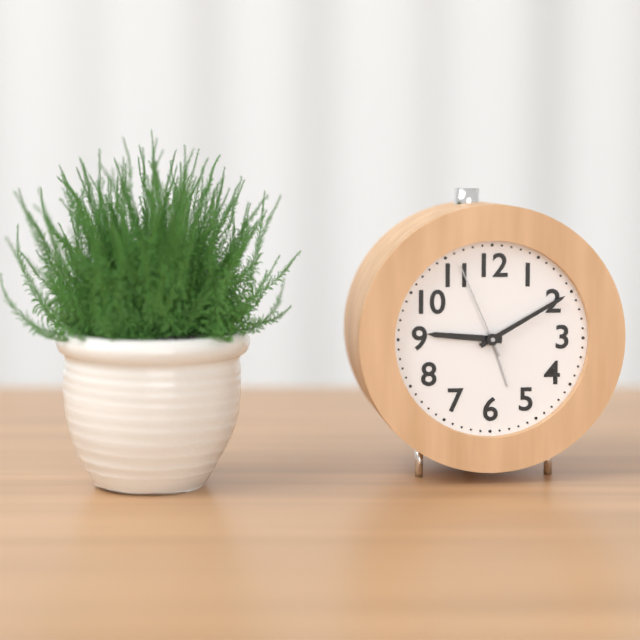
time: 9:10:56
